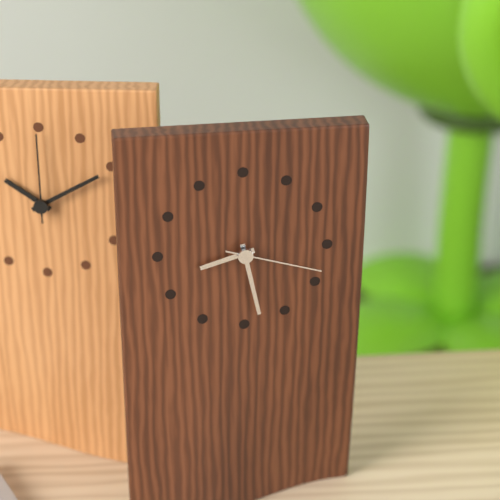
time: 8:28:18
